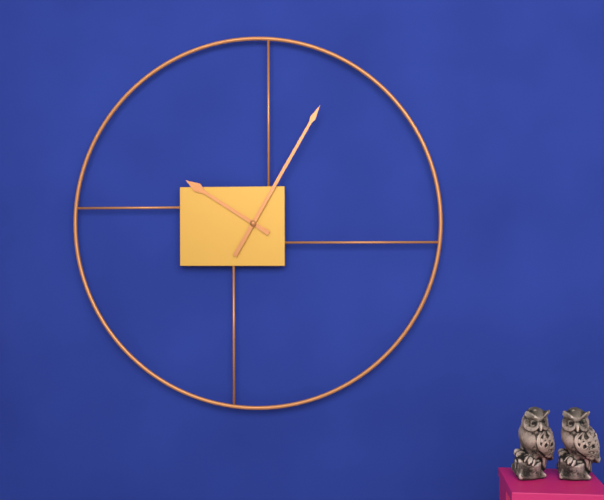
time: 10:05
